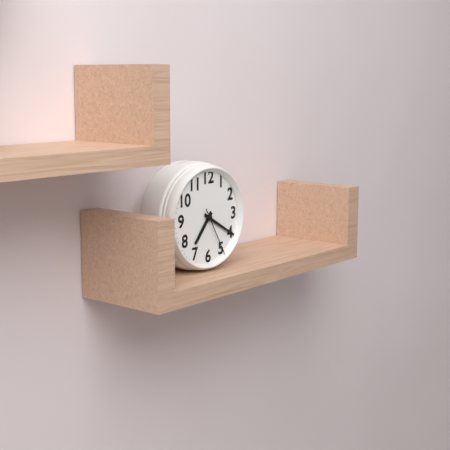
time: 7:20:25
